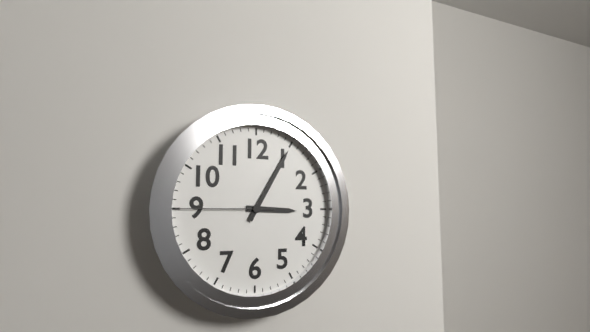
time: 3:05:45
